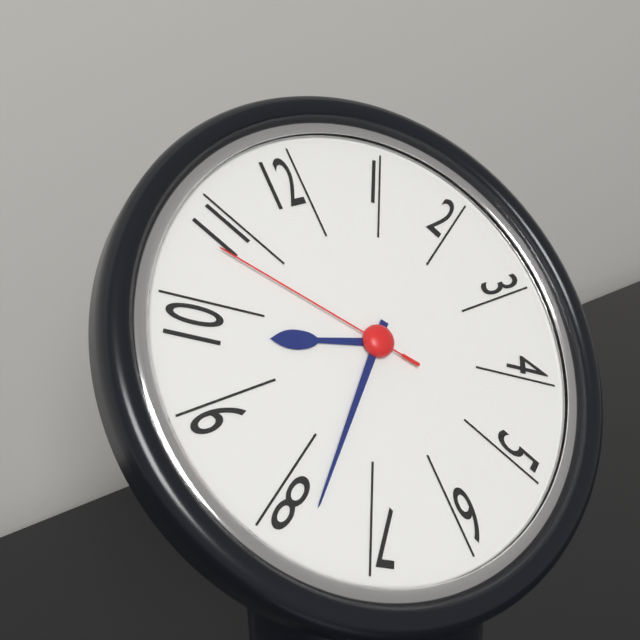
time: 9:38:53
